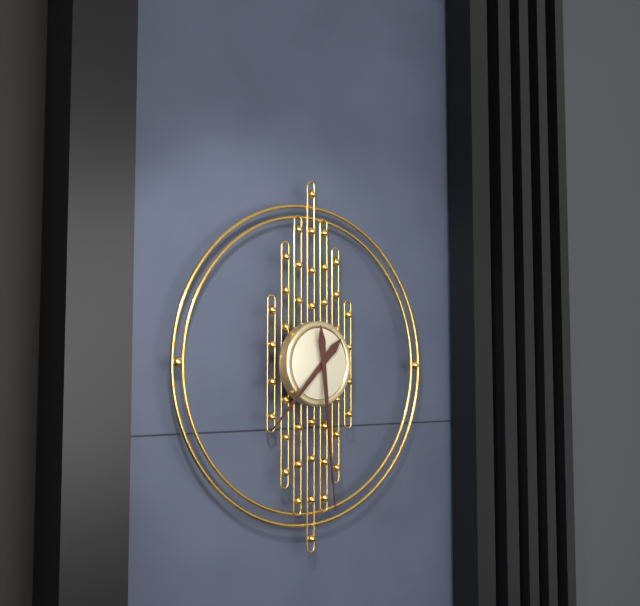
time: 7:29
